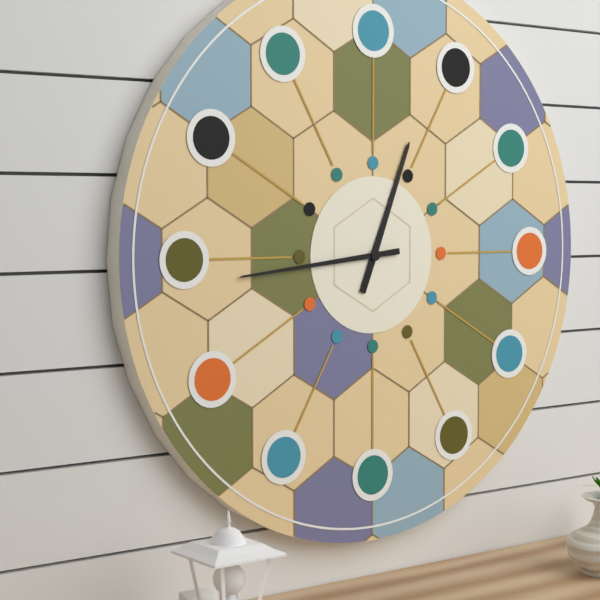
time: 12:44
